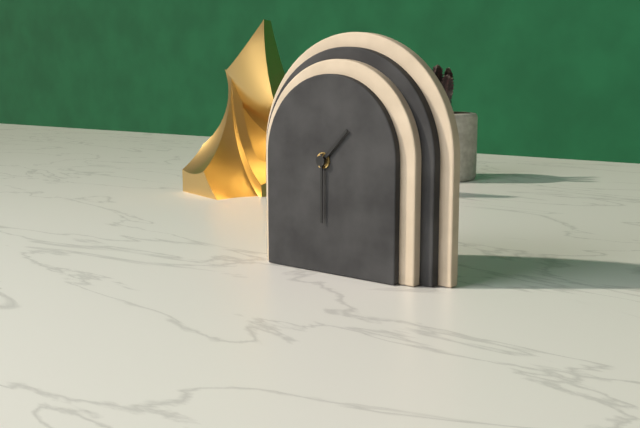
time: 1:30
